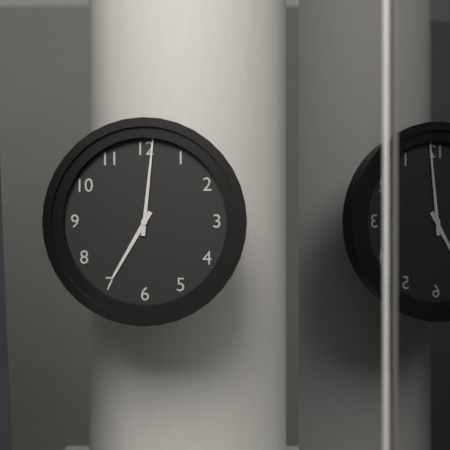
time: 7:01
